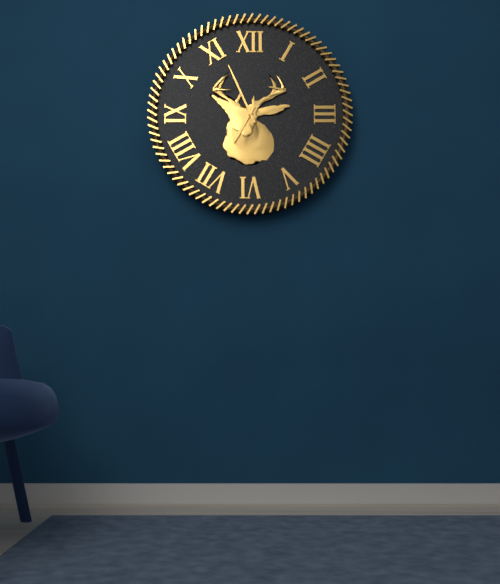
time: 6:56
